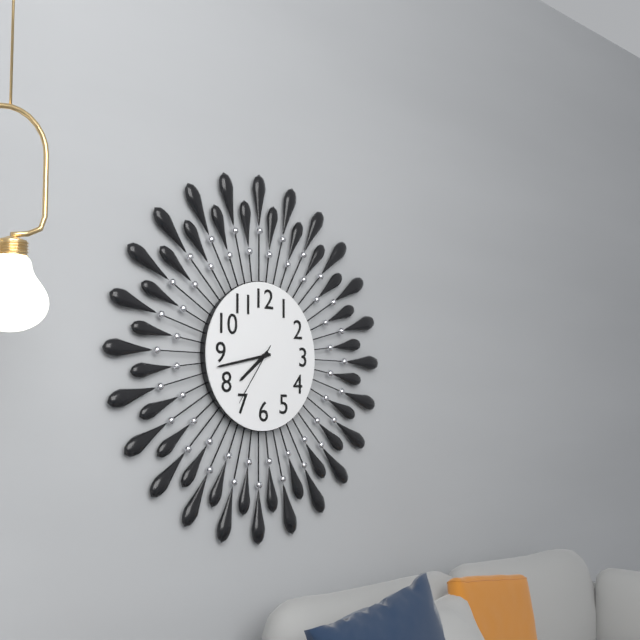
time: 7:43:36
